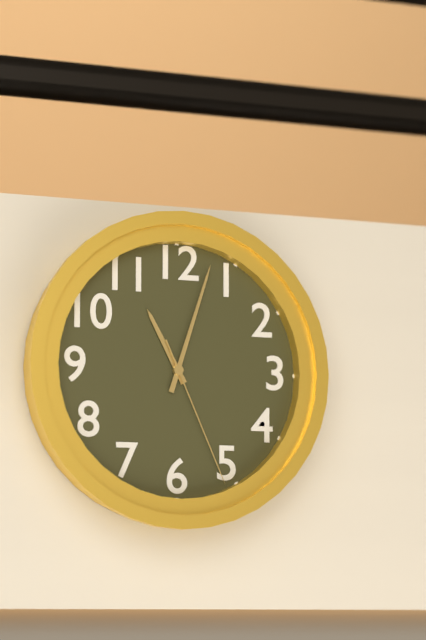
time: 11:03:26
